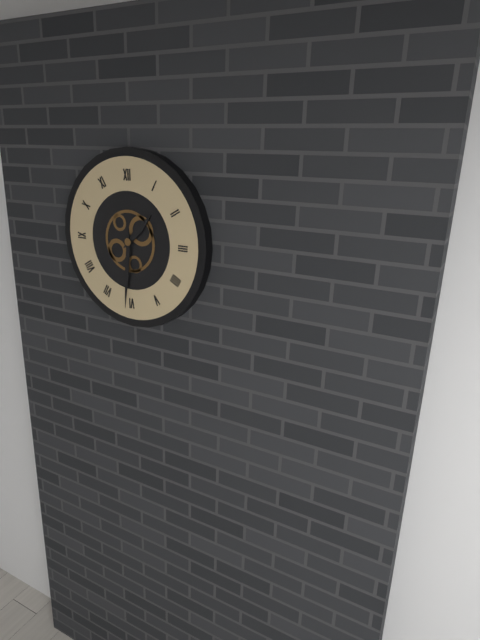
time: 1:31
